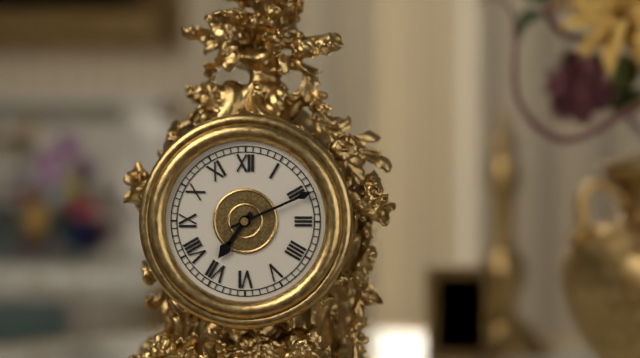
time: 7:11
